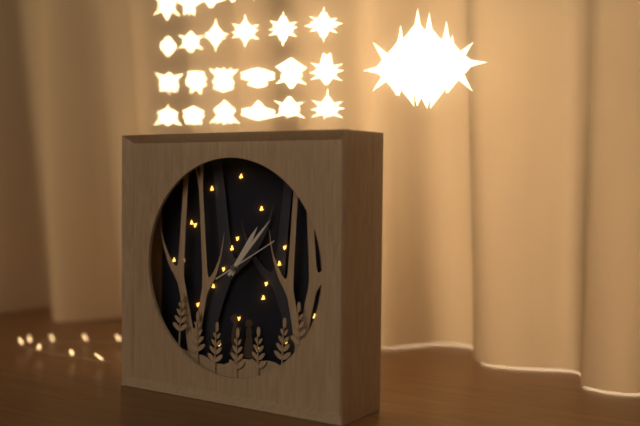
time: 1:07:10
